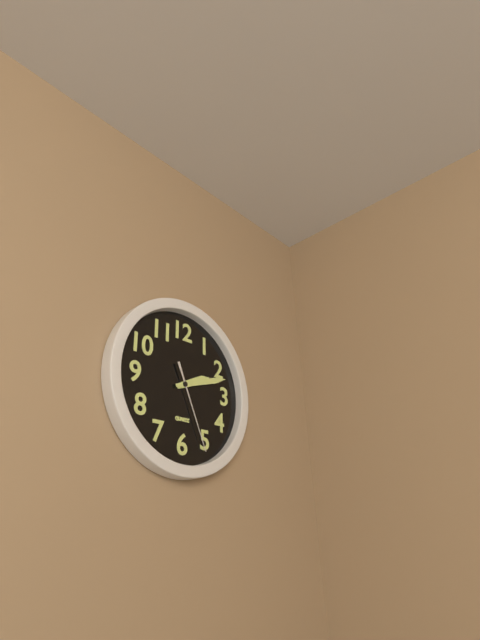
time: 2:12:26
